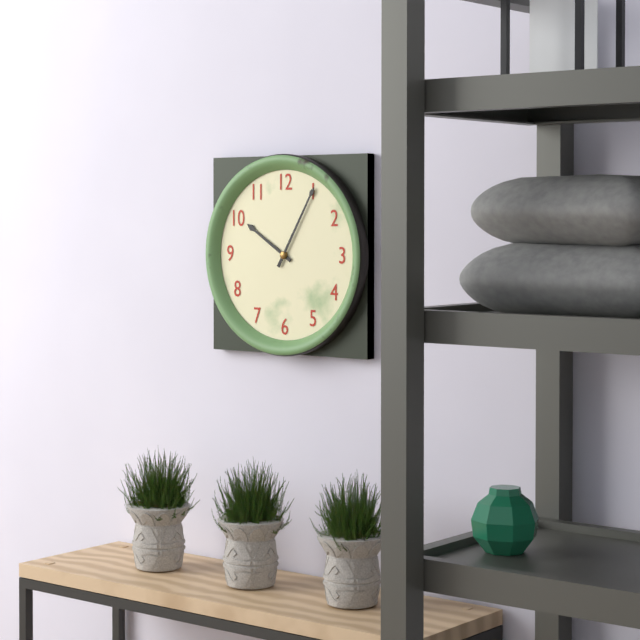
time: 10:05
